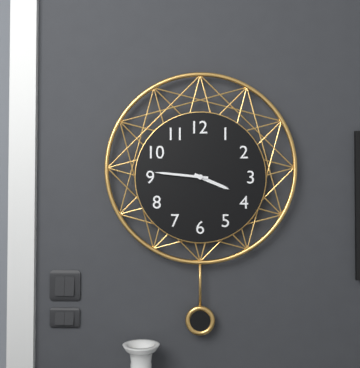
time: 3:46
